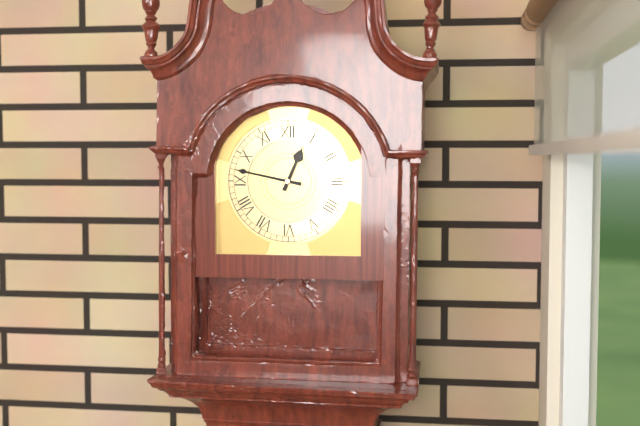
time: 12:47
